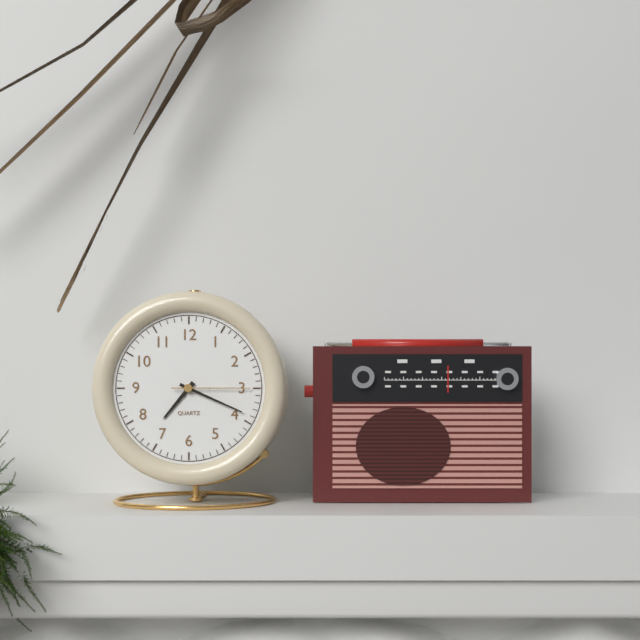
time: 7:19:15
